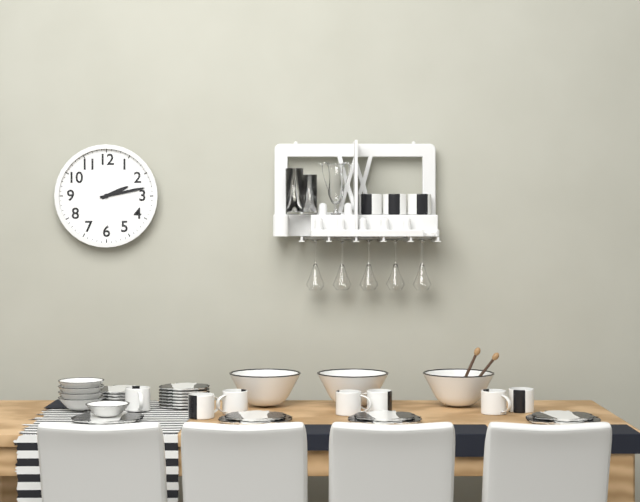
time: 2:13
